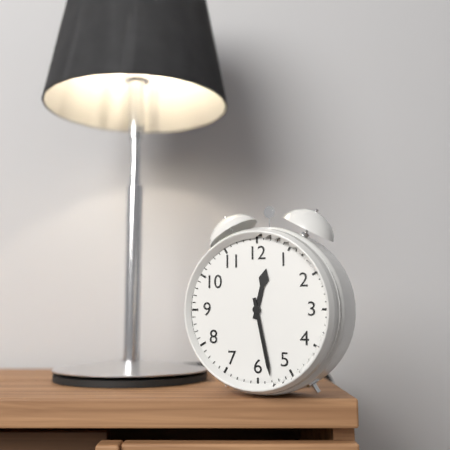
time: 12:28
